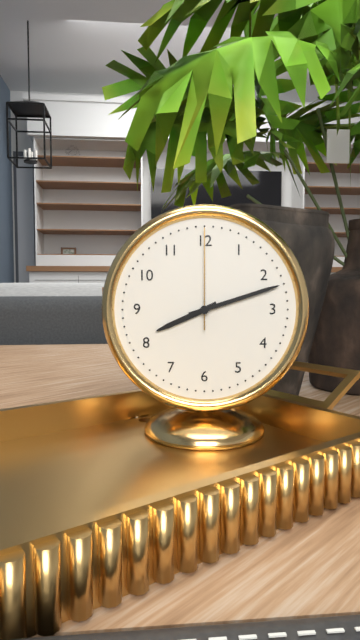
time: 8:12:00
